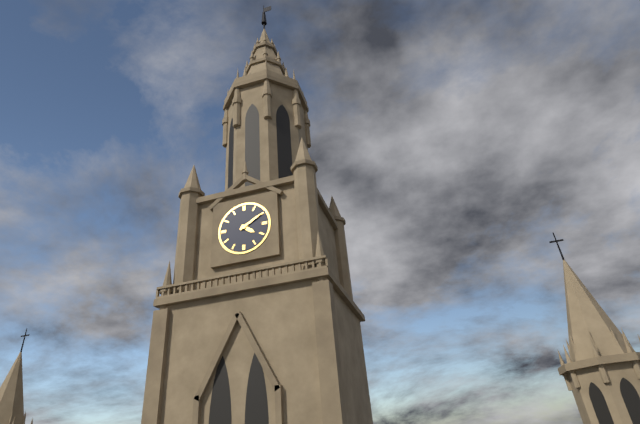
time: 4:10
